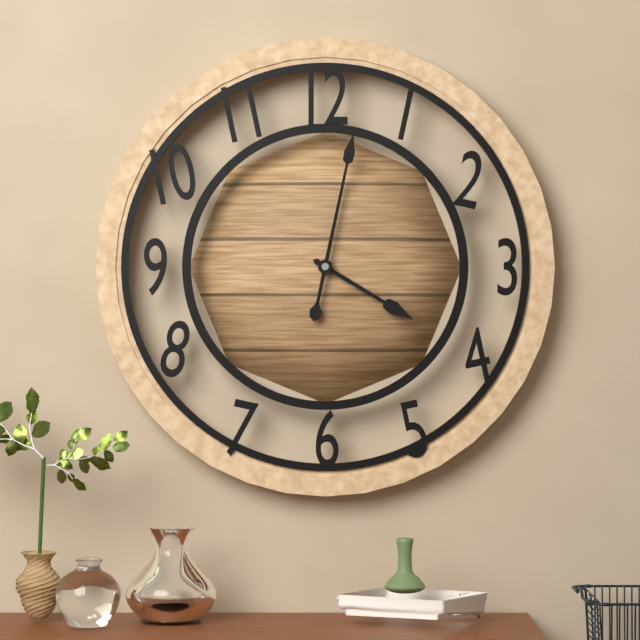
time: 4:02
